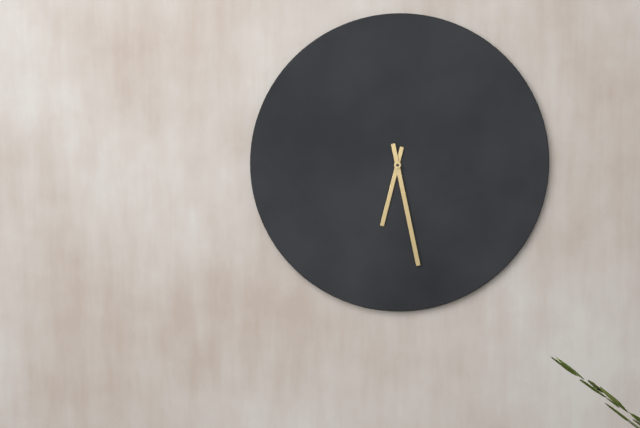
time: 6:28
